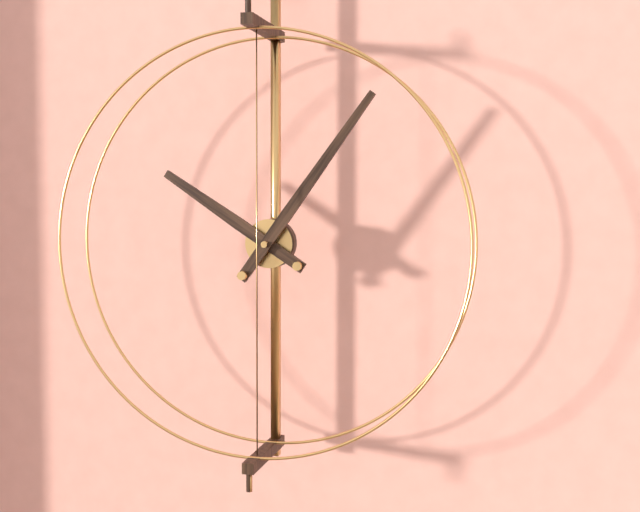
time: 10:06
